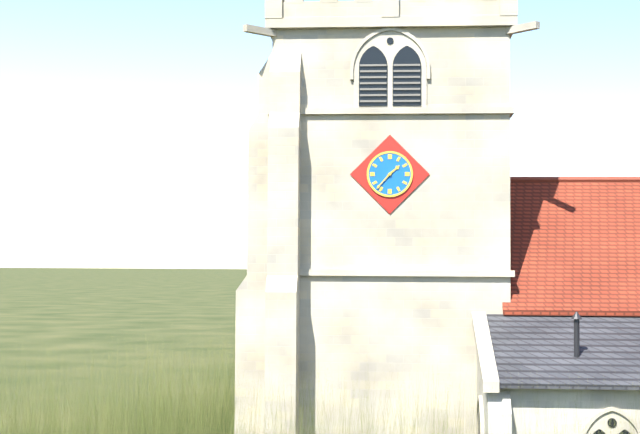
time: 1:37
